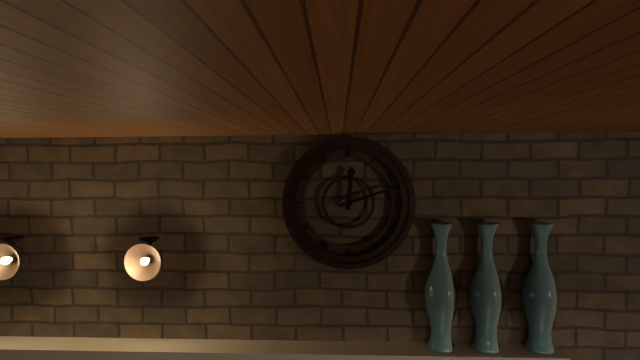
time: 12:12
